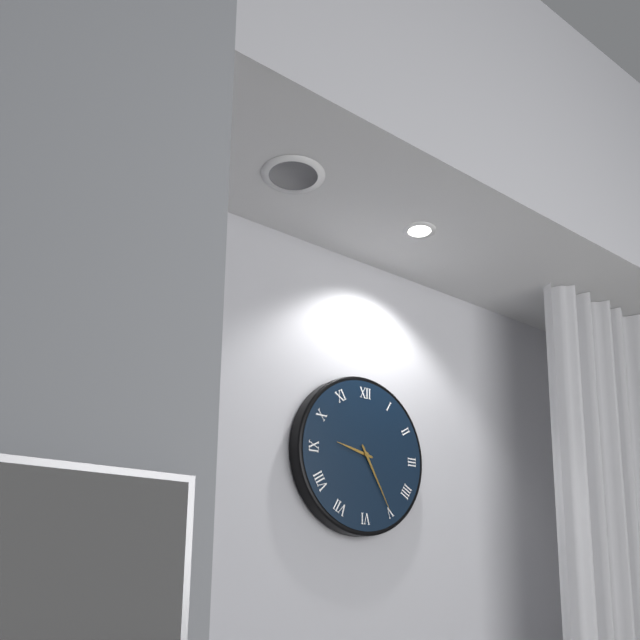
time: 9:25
